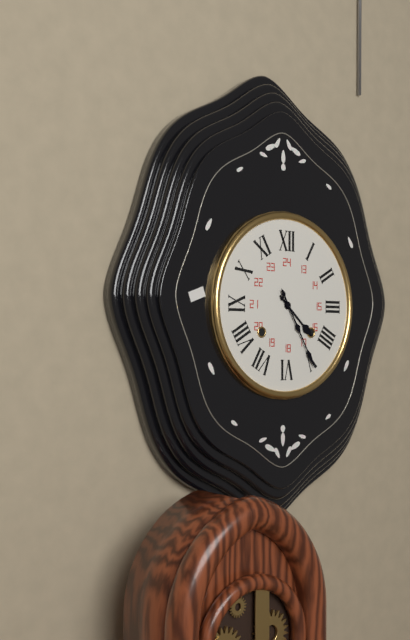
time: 4:25
